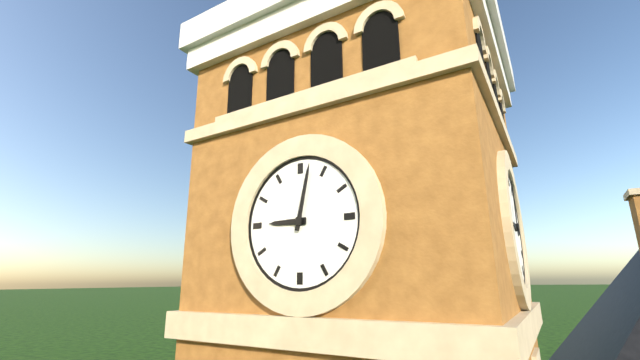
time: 9:02
